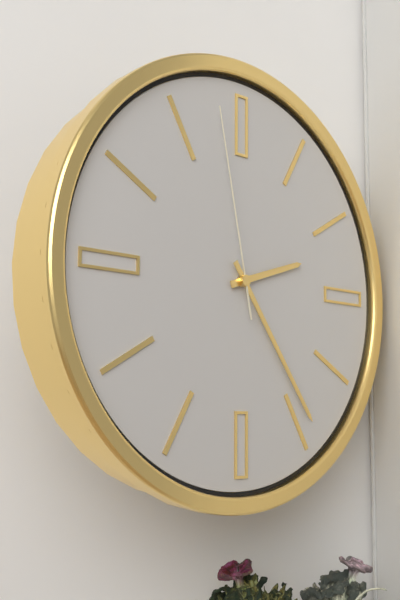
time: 2:24:58
